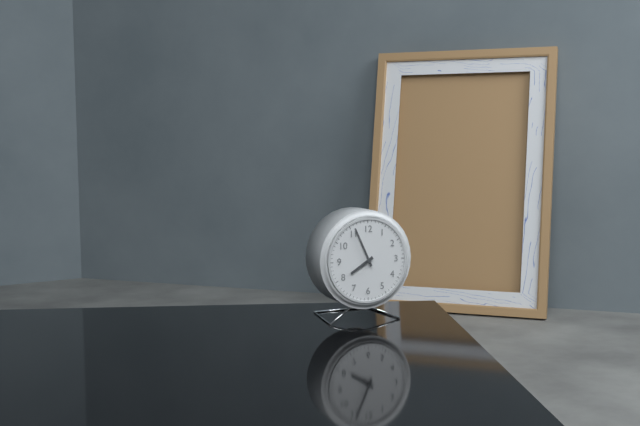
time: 7:56
